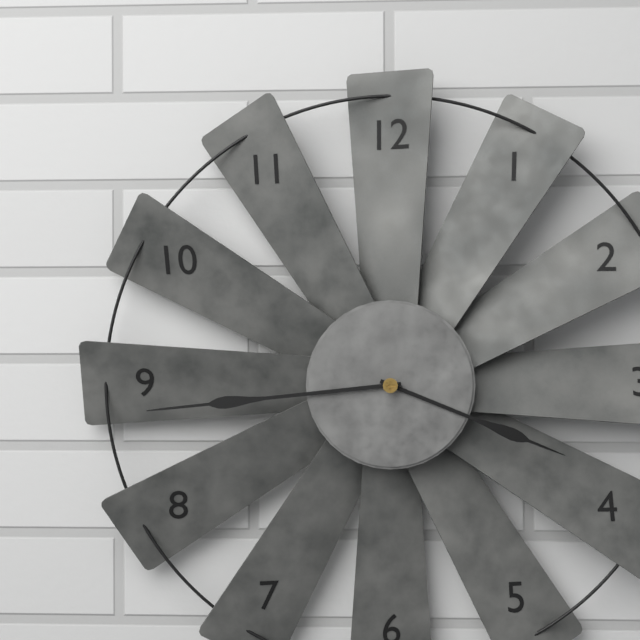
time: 3:44
